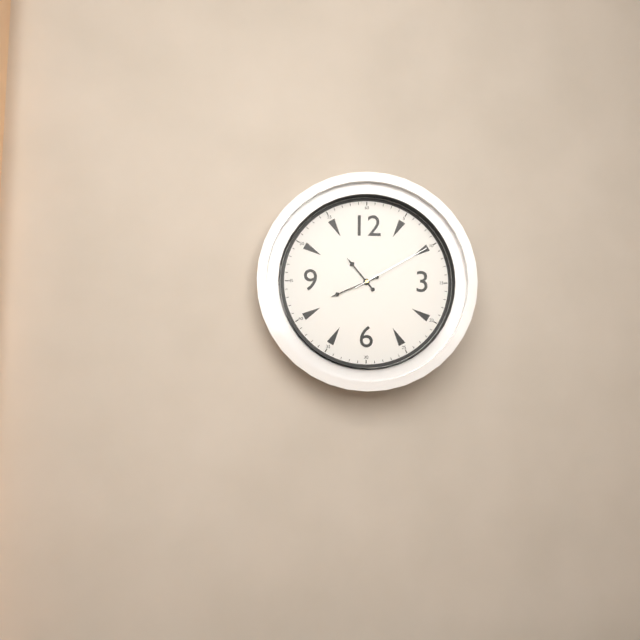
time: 10:41:10
